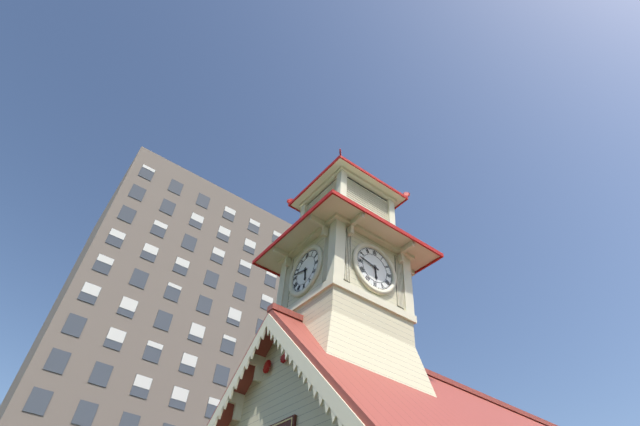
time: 5:47
